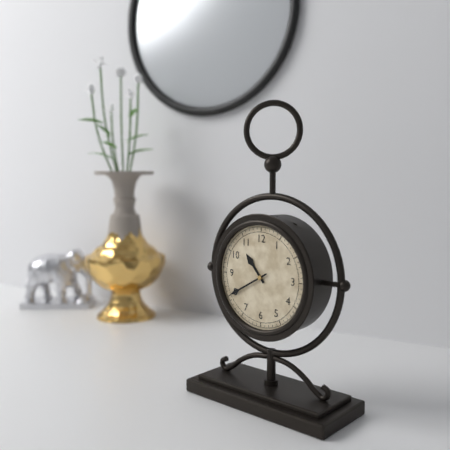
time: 10:40
